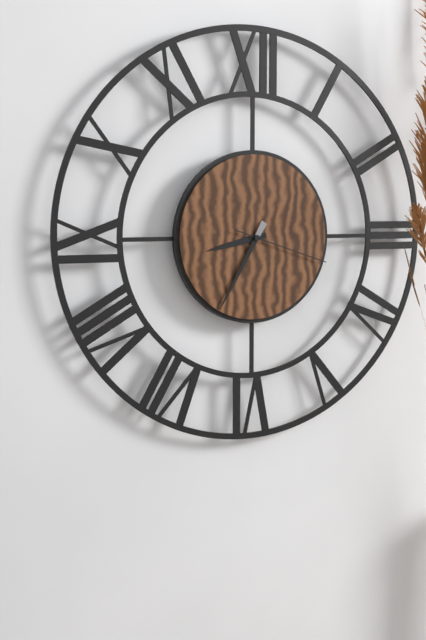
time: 8:35:18
